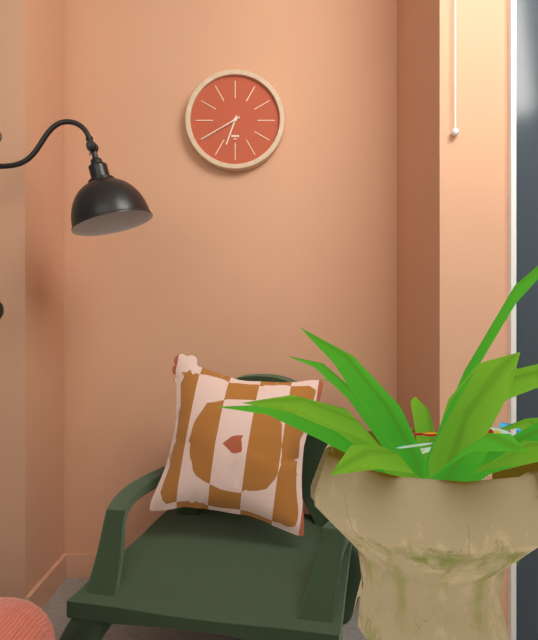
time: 6:40
